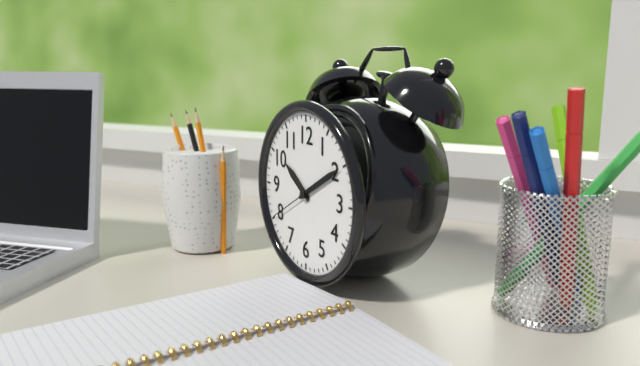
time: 10:10:40
